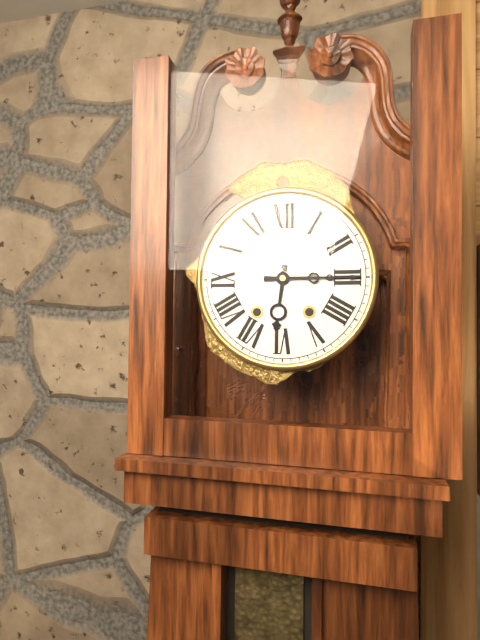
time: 6:15
